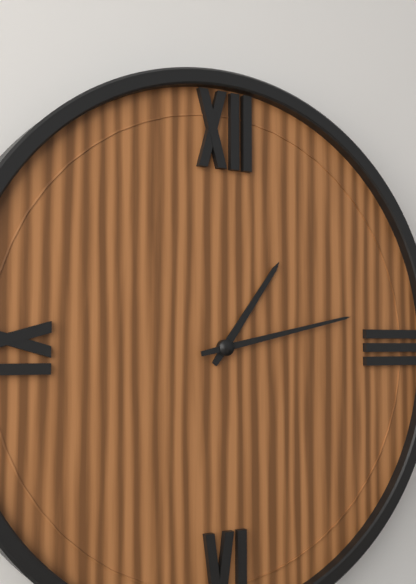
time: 1:13
